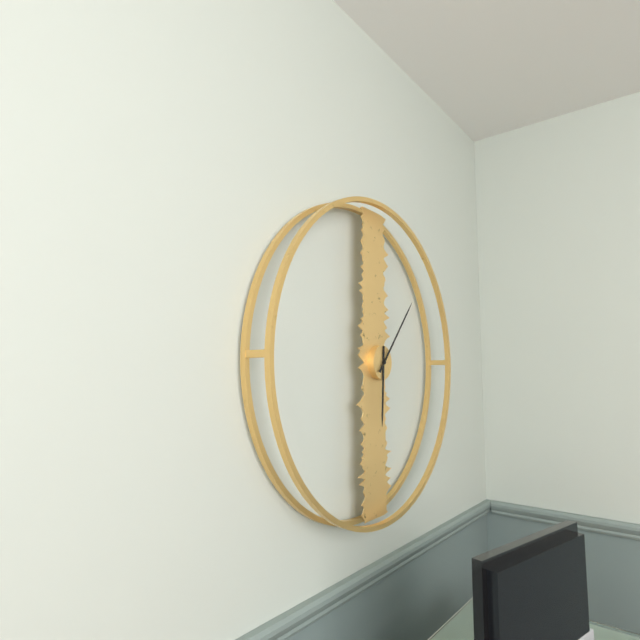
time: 6:07
